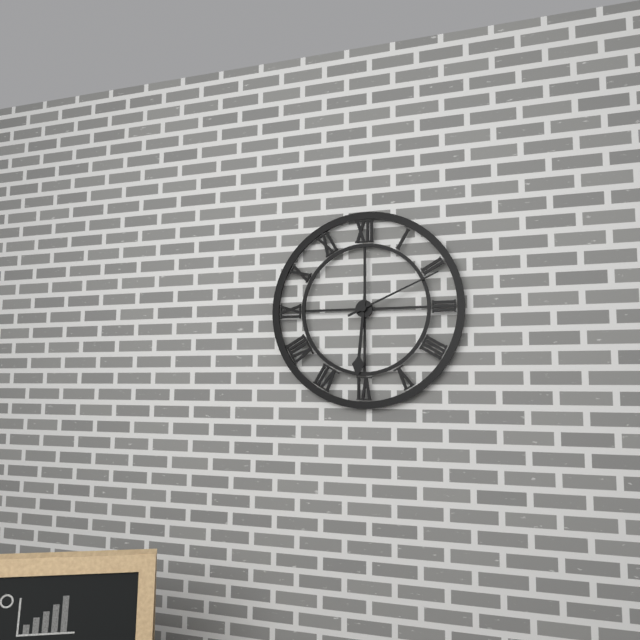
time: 6:11
